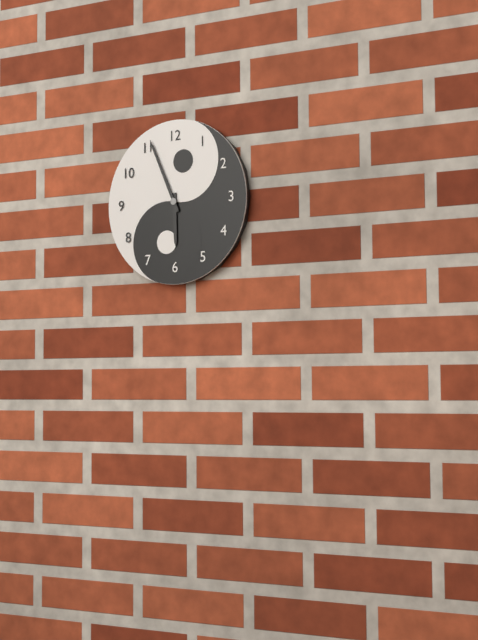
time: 5:56
